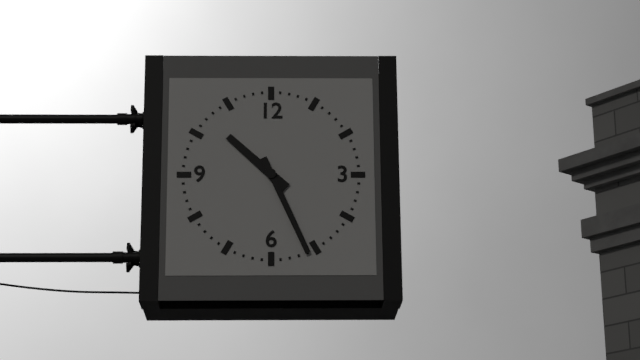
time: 10:26
